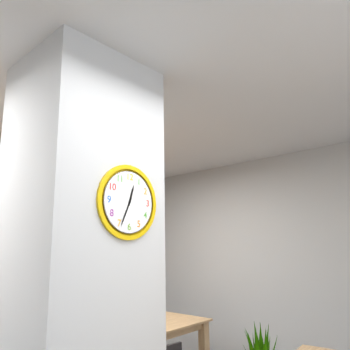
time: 12:34
